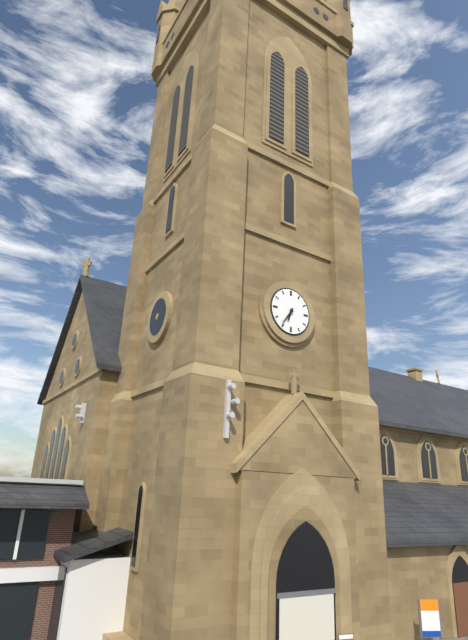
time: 6:36
